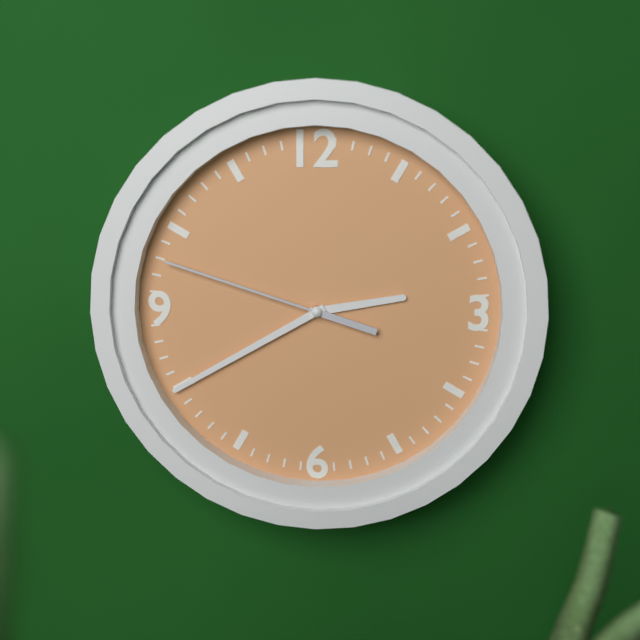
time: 2:40:48
